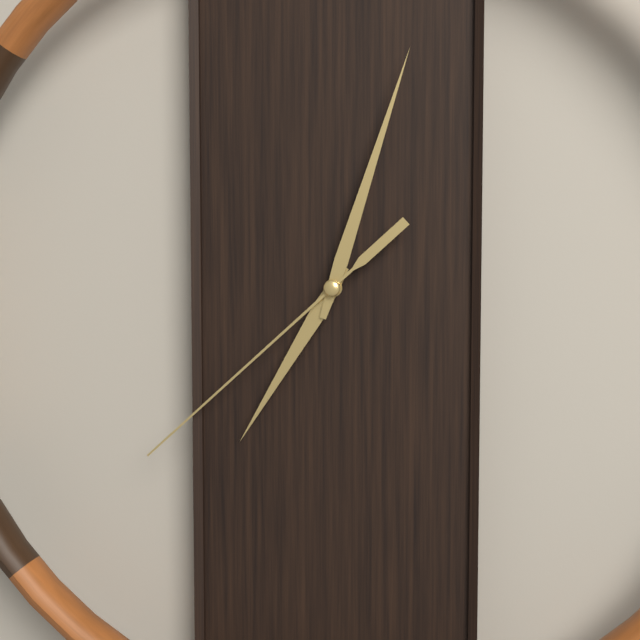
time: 7:03:38
